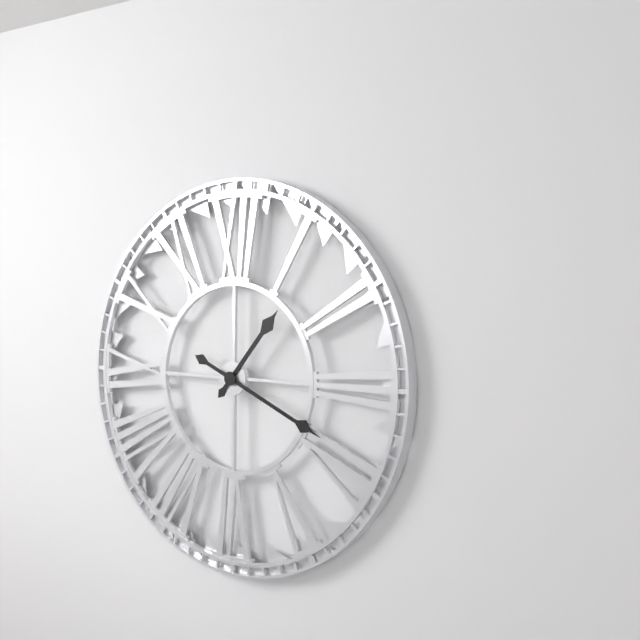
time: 1:19
